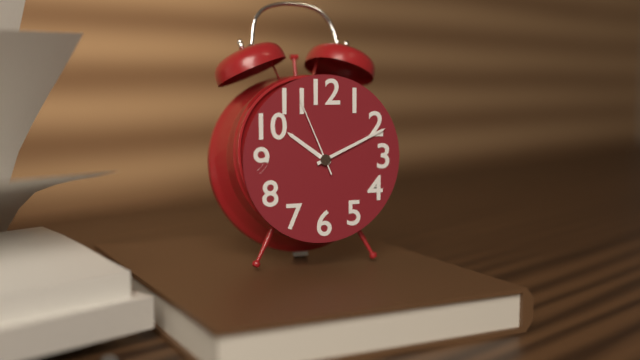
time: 10:11:56
